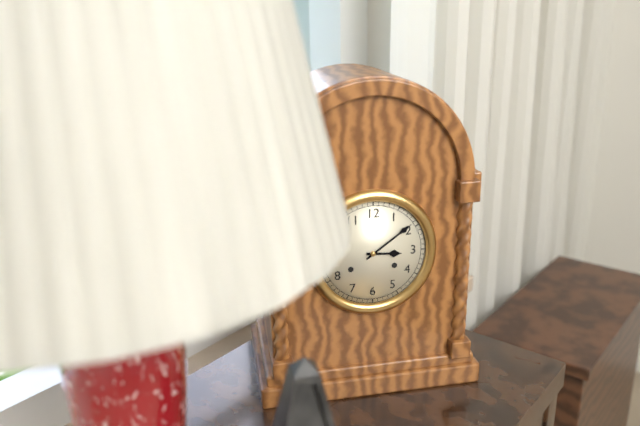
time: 3:09
